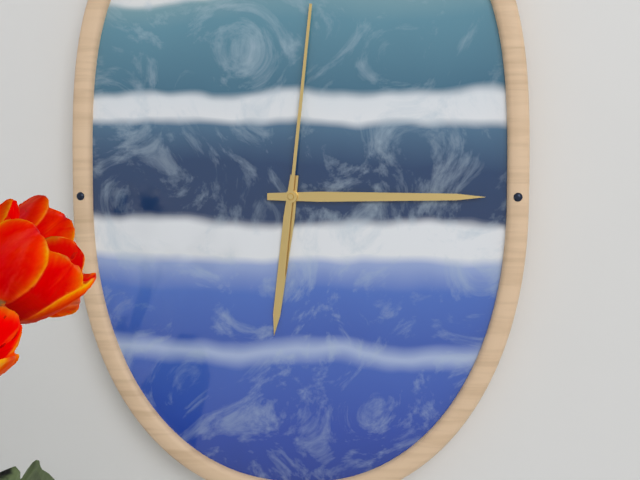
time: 6:15:01
